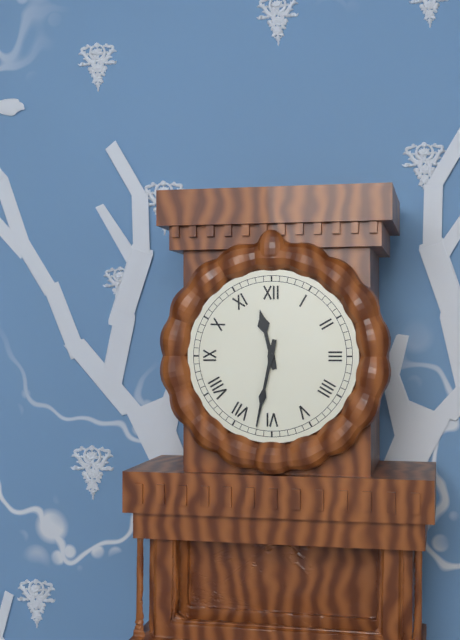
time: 11:32
